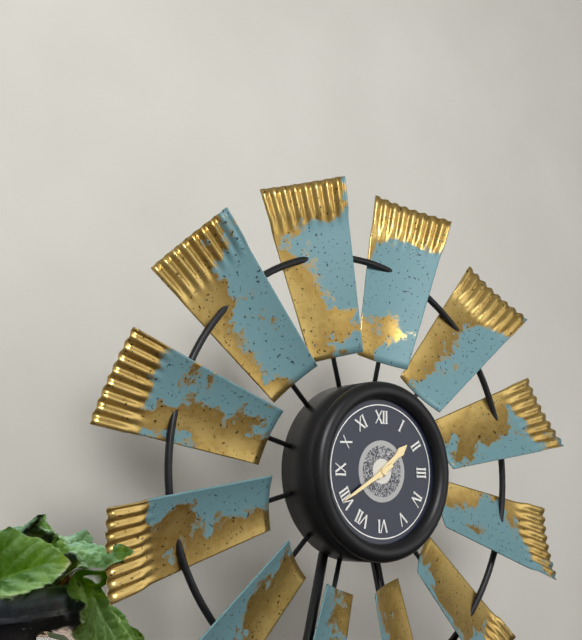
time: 1:40
